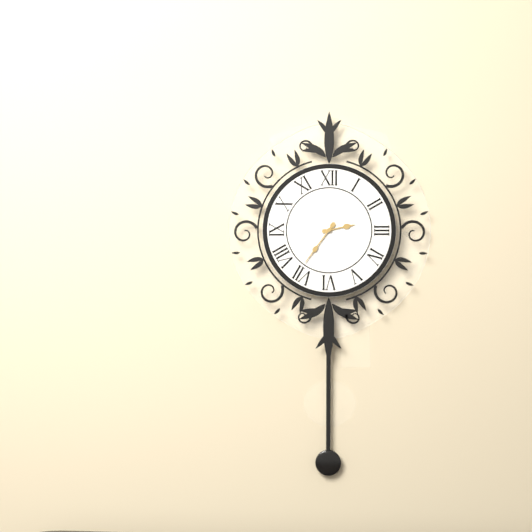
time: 2:36
